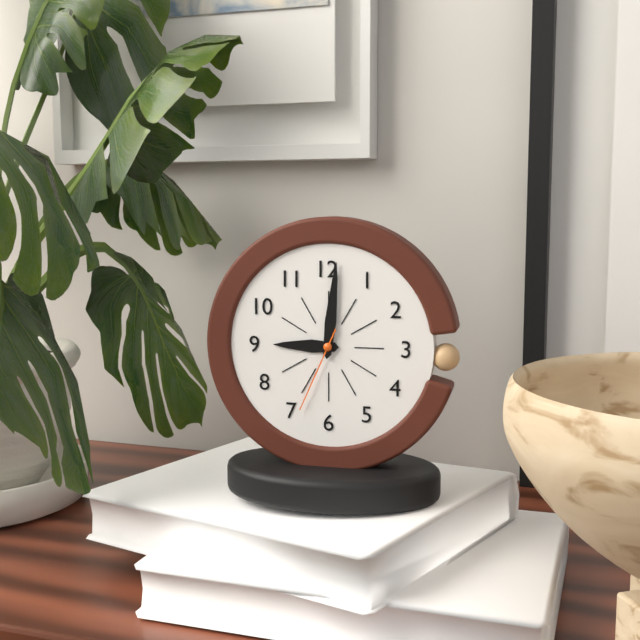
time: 9:01:34
